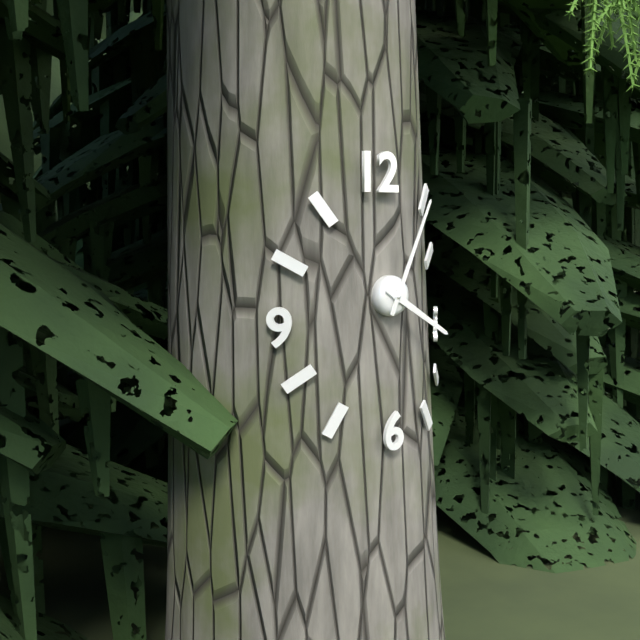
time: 4:04
